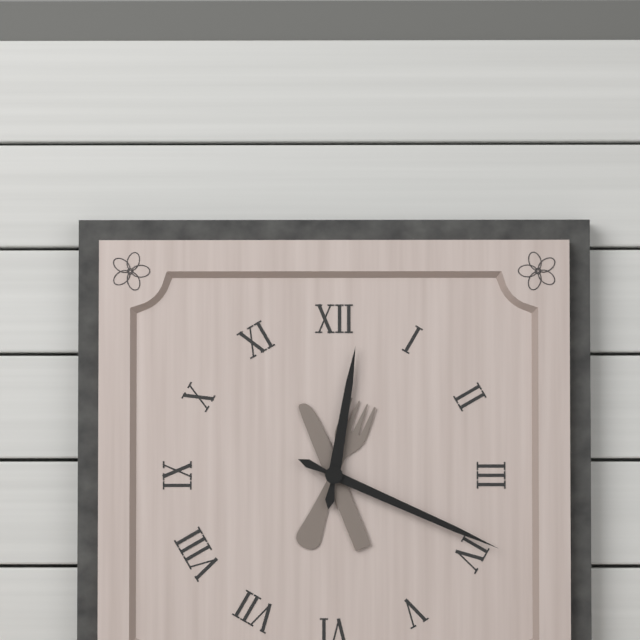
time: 12:19
